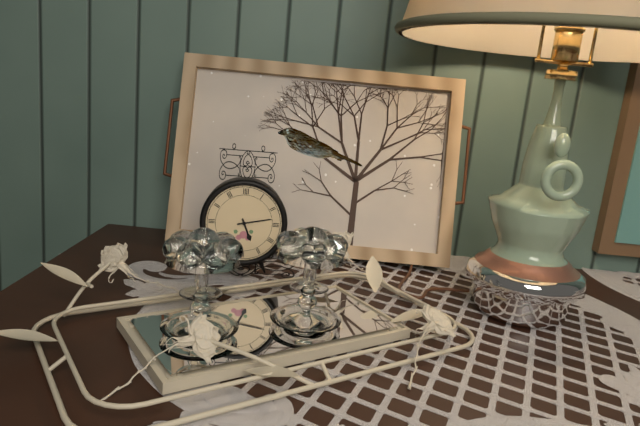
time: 5:13
